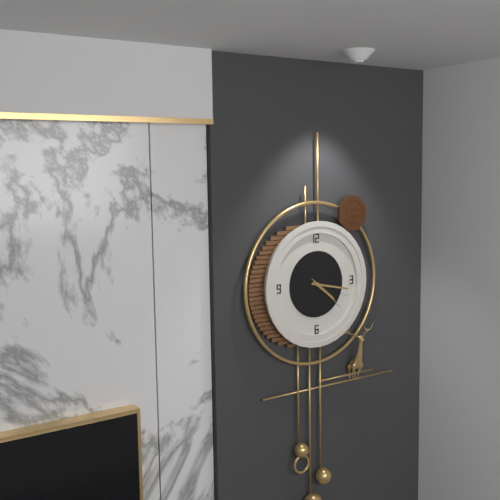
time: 4:17
